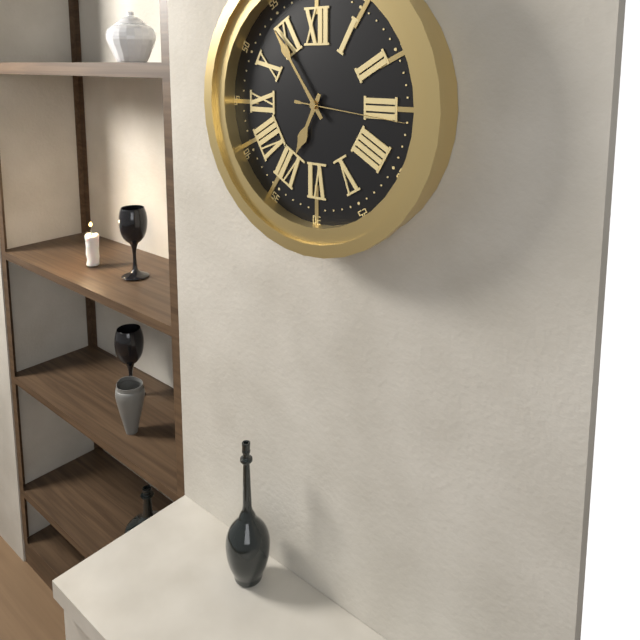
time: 6:54:16
